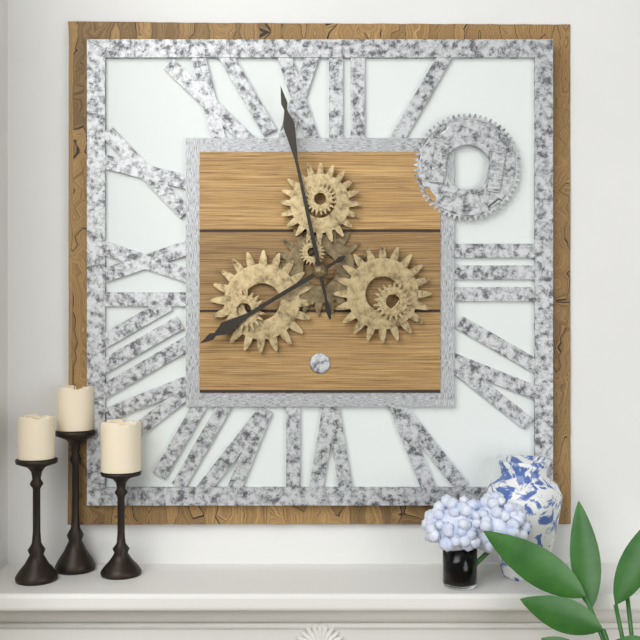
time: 7:58
